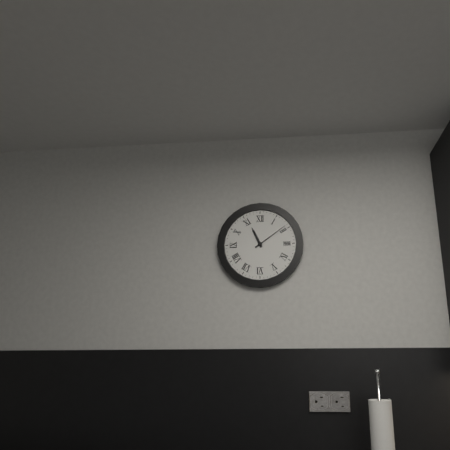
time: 11:09
